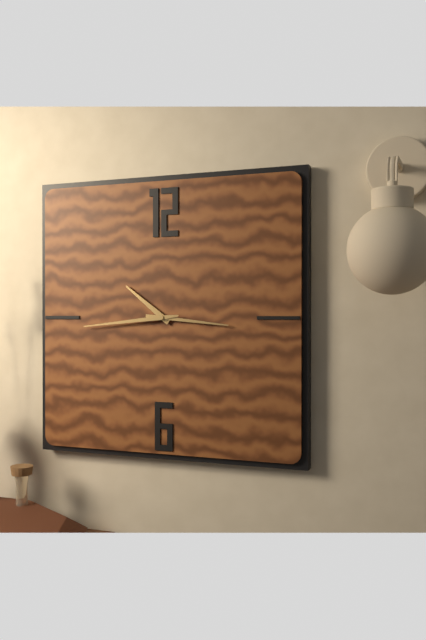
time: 10:16:44
